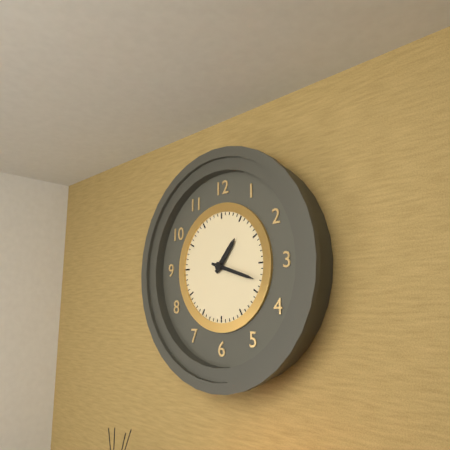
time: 1:18
